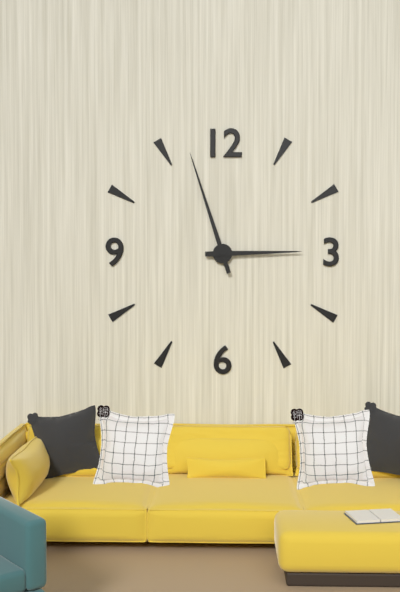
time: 2:57
